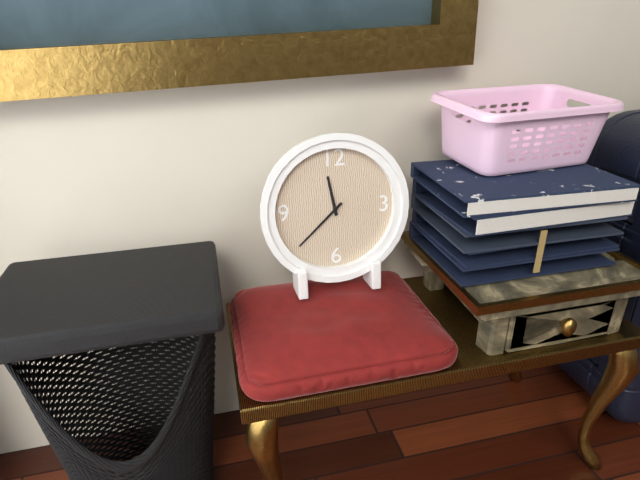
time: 11:38
